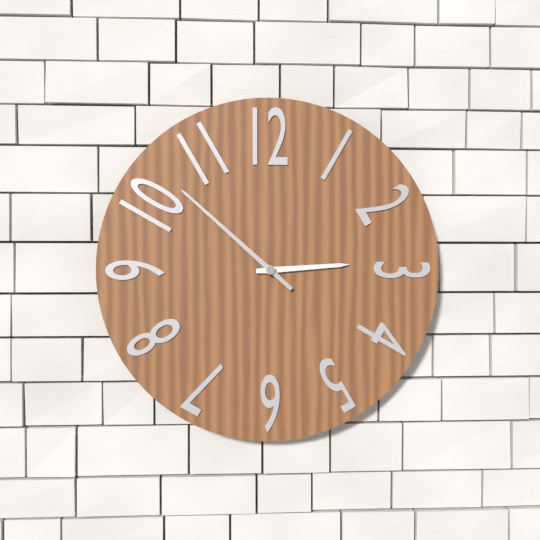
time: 2:52
